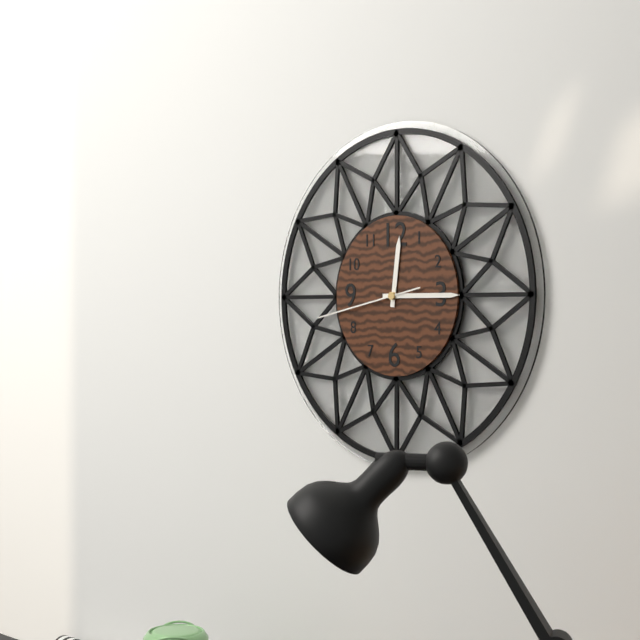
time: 12:15:43
